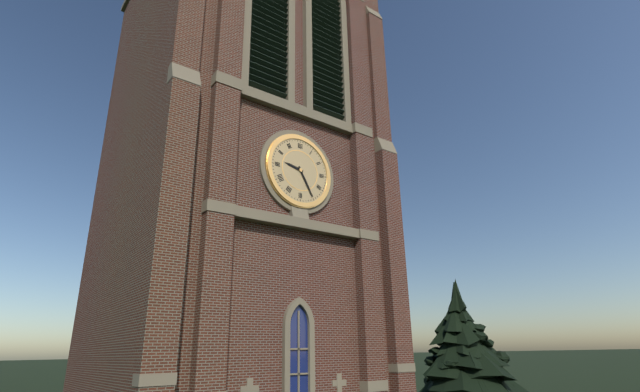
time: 9:25
